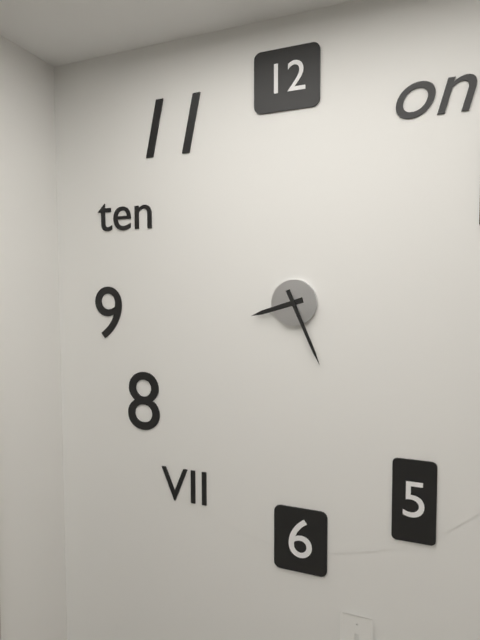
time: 8:26
